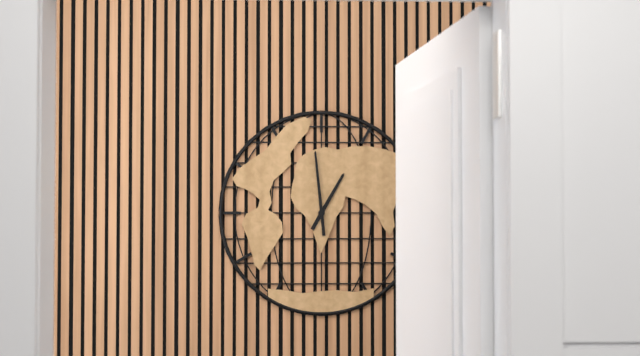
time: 12:59
